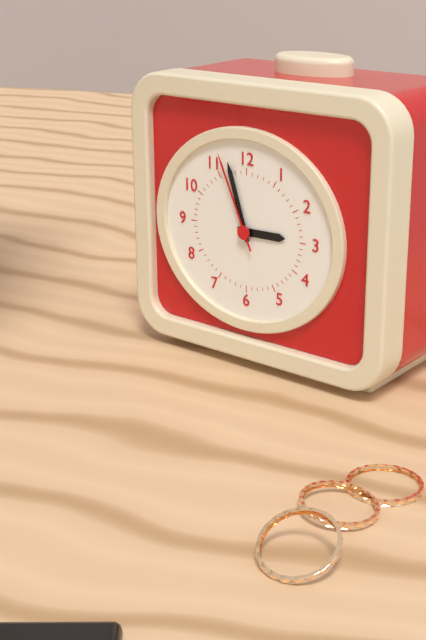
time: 2:57:56
